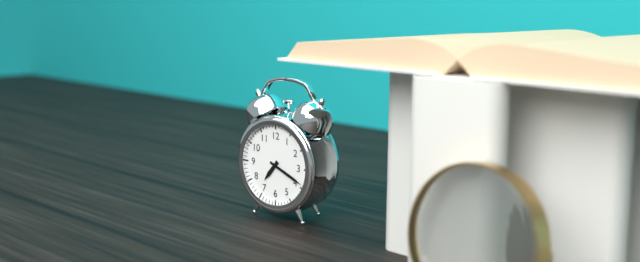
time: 7:19
